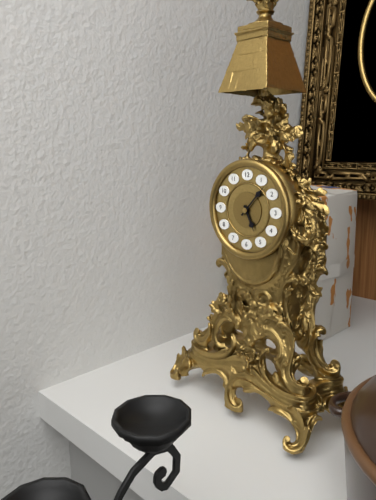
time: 5:07
